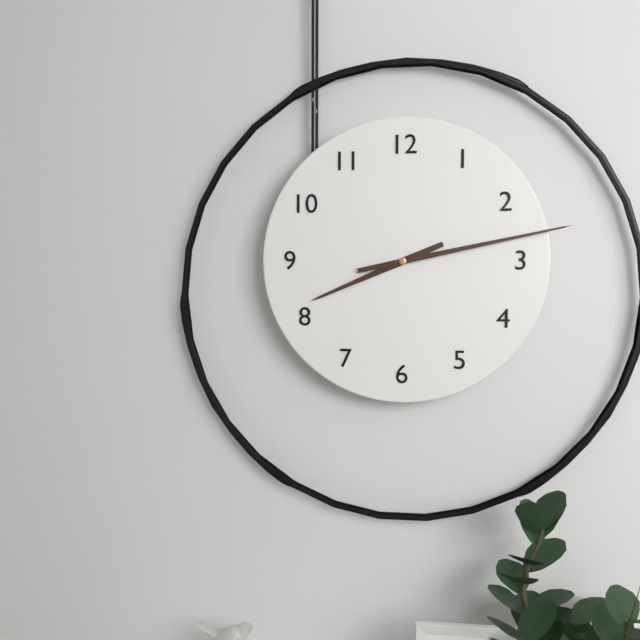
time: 8:13
